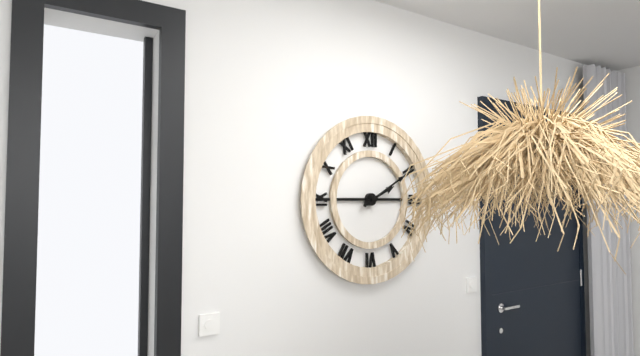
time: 2:10
